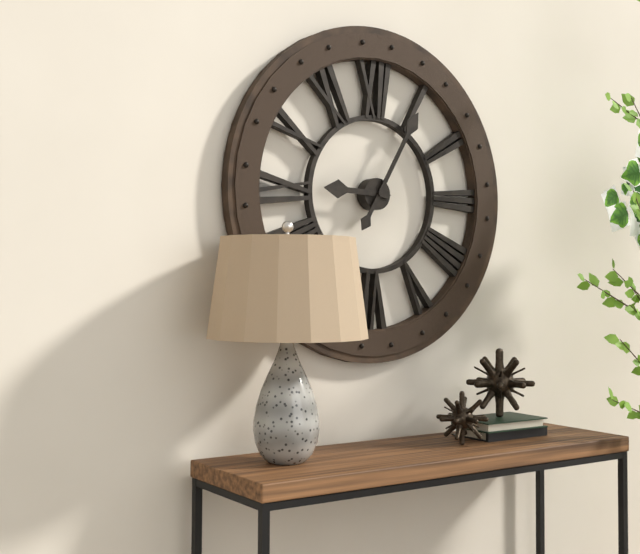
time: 9:05
